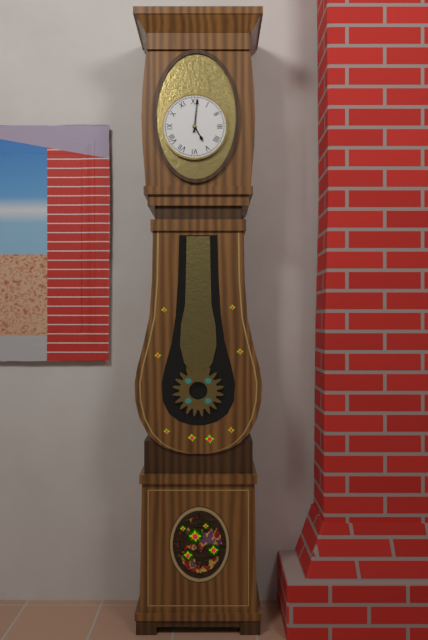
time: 5:01
